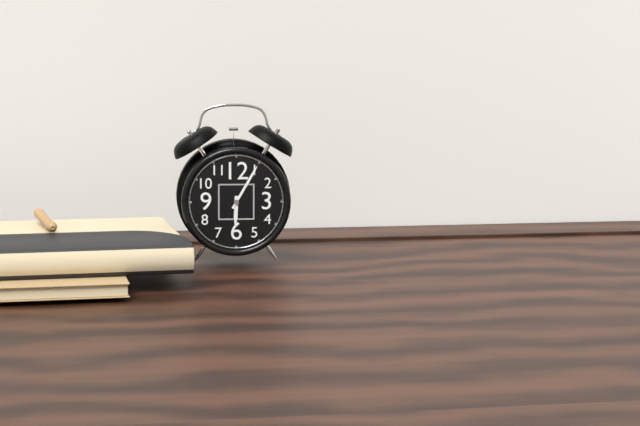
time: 6:05
